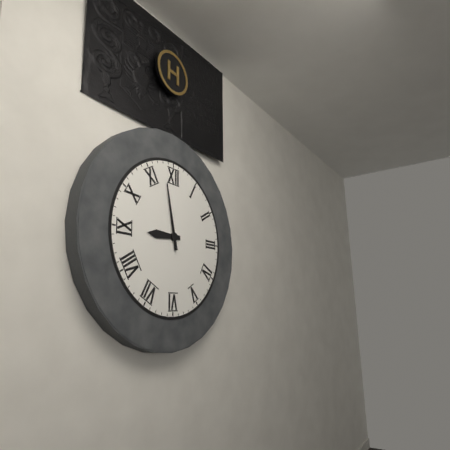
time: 8:58
